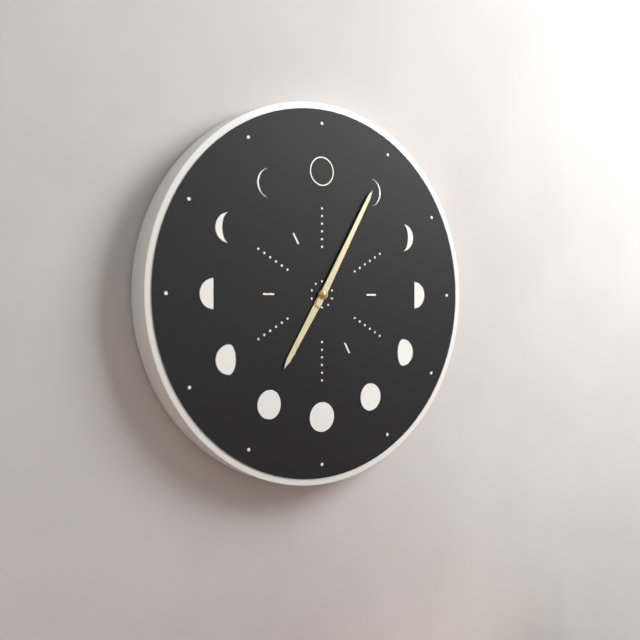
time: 7:05
